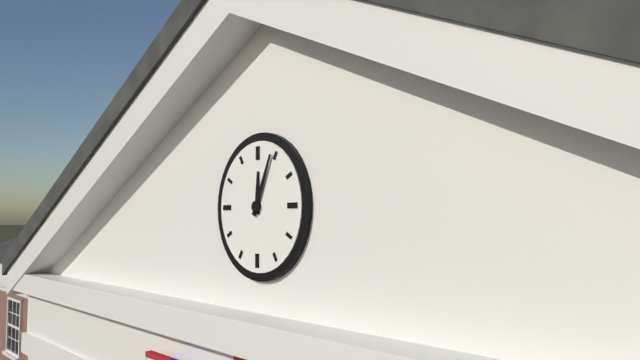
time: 12:04
